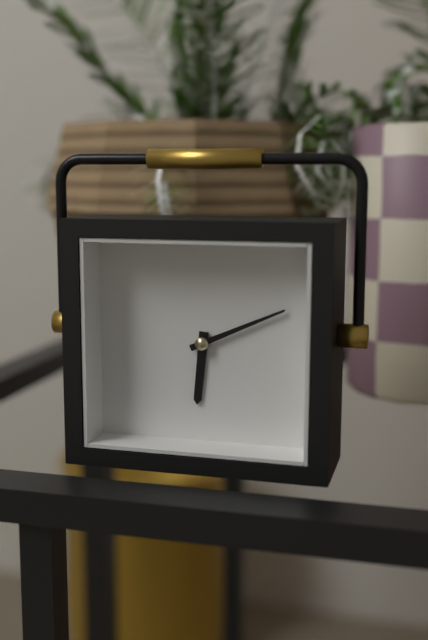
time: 6:11
